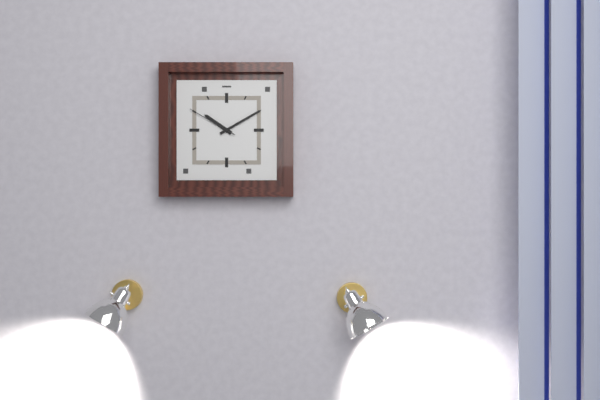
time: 10:10:50
